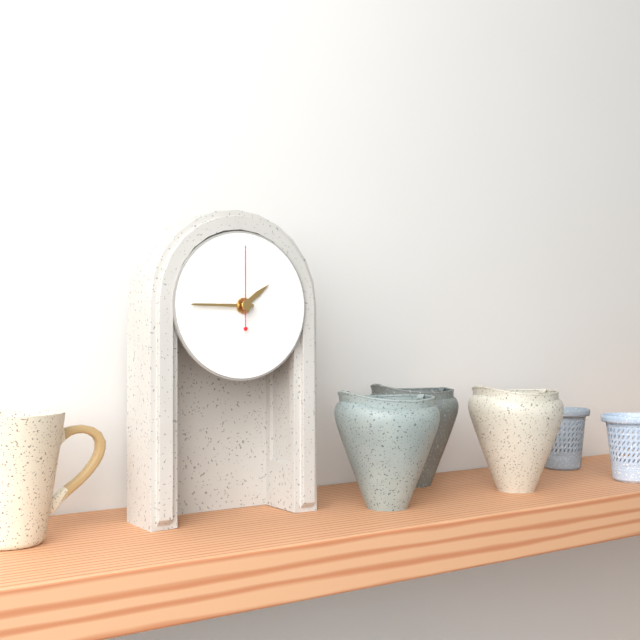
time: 1:45:00
